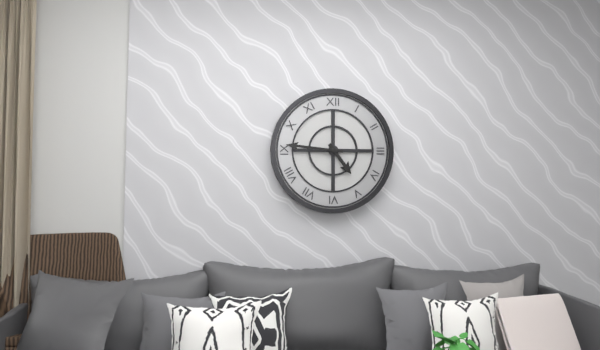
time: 4:46
